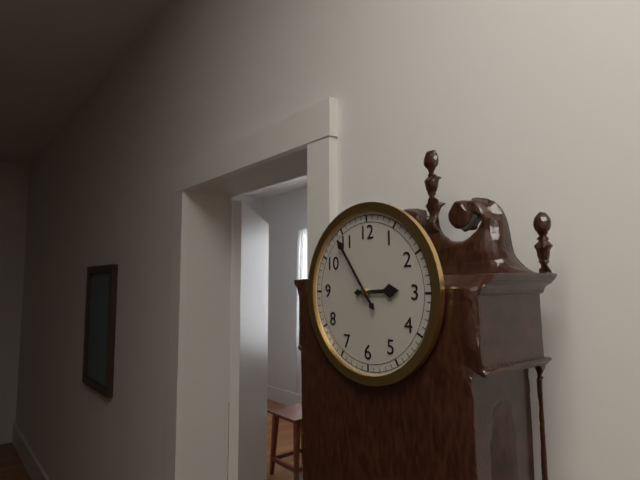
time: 2:54
